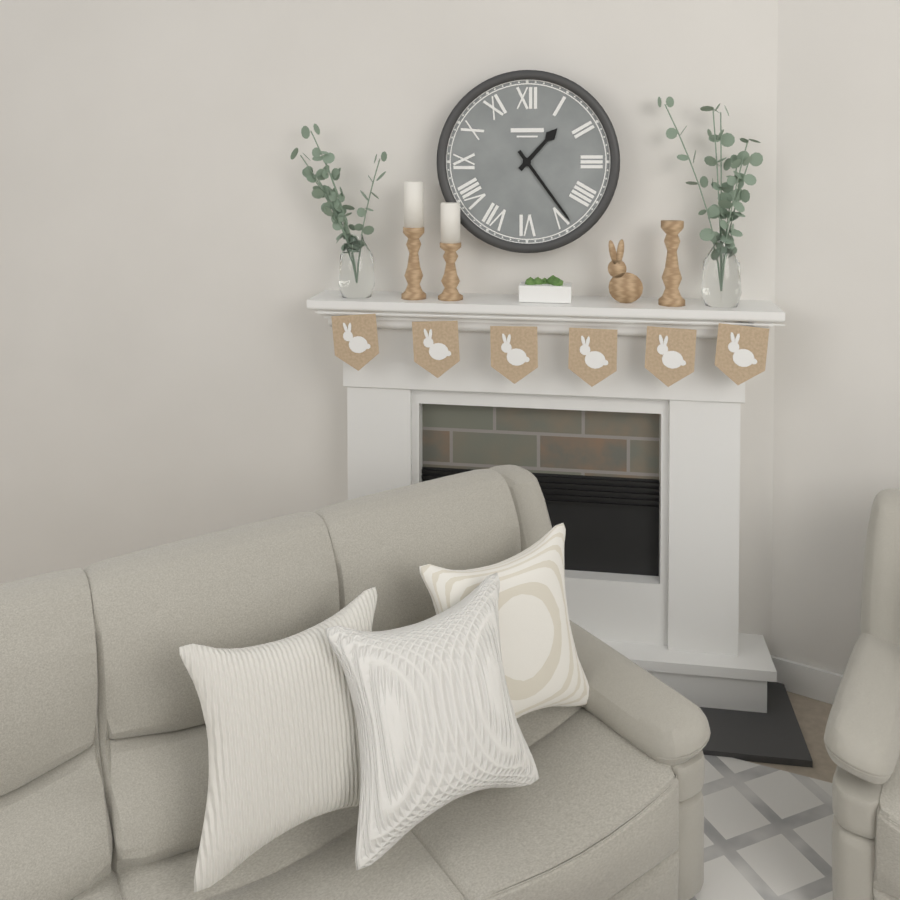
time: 1:24
